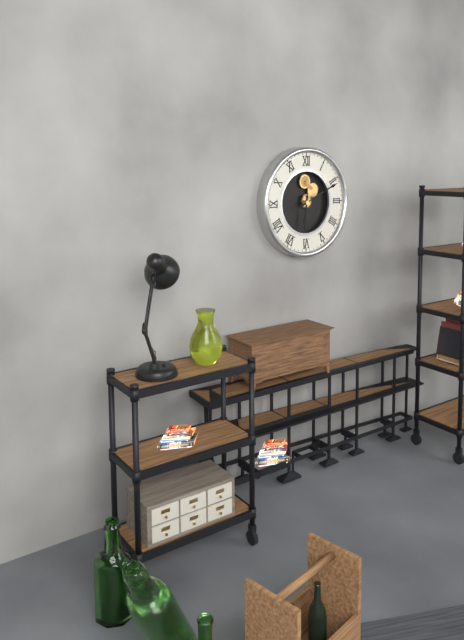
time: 6:11
